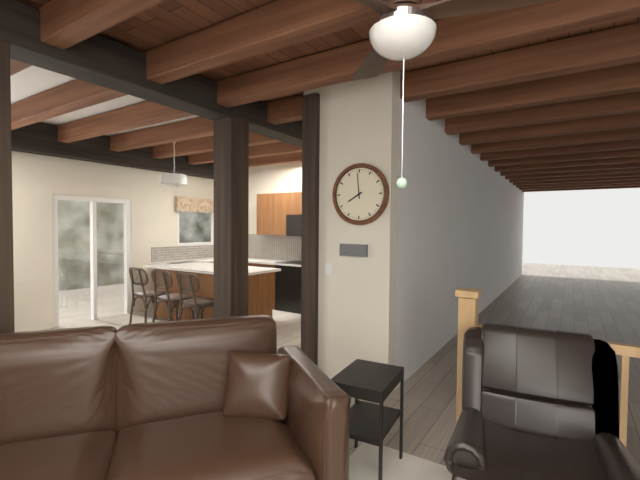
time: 7:59
